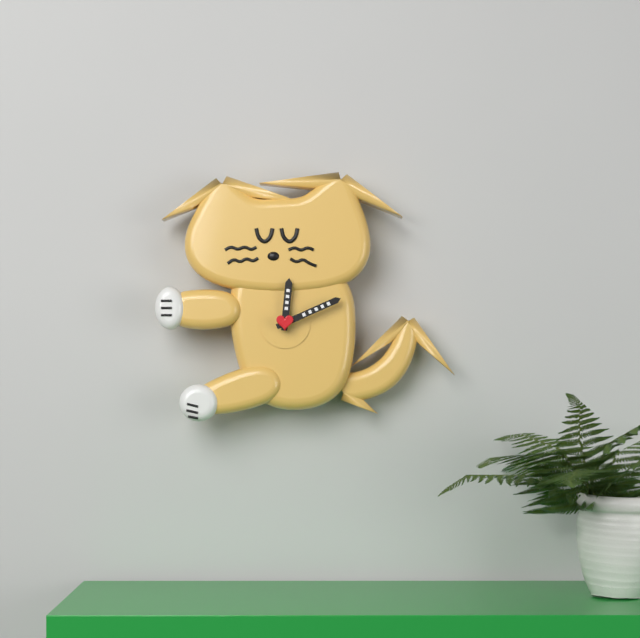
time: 12:11
